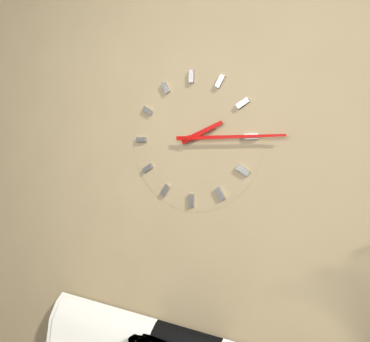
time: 2:15
